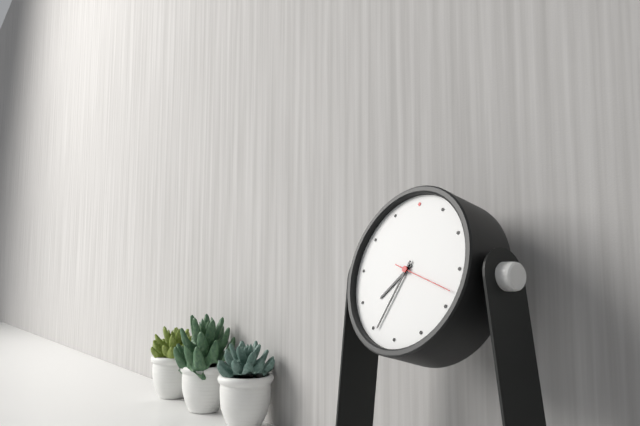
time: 7:34:18
